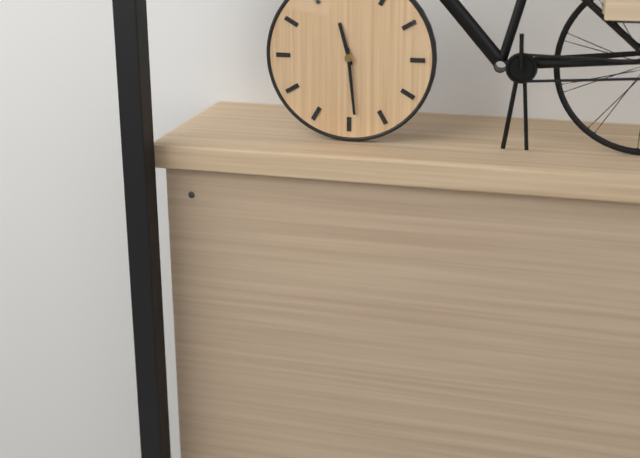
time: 11:29
